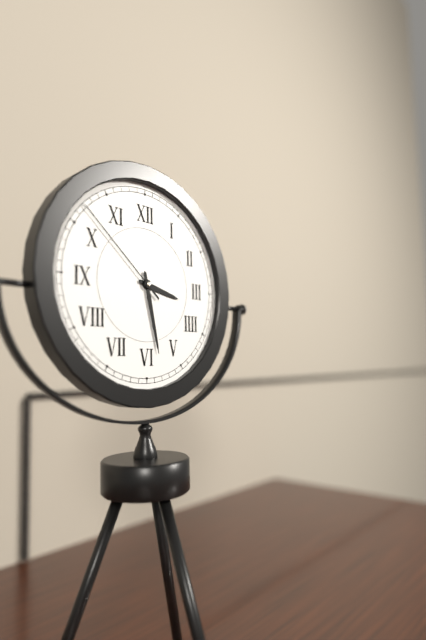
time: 3:28:52
